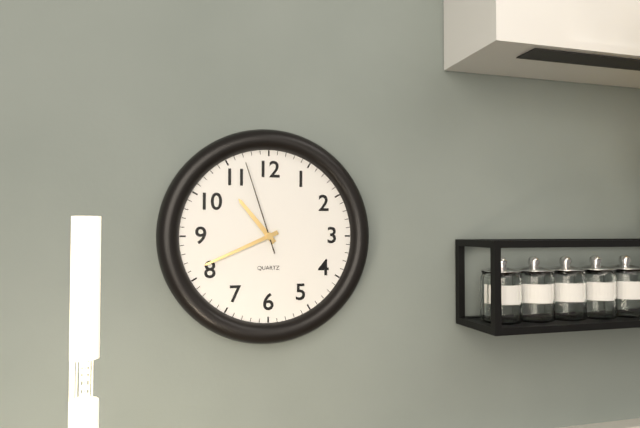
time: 10:41:57
